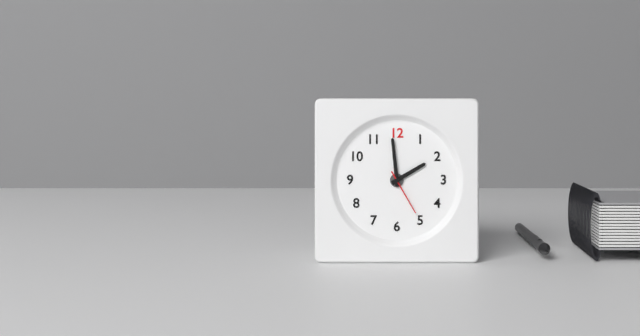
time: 1:59
